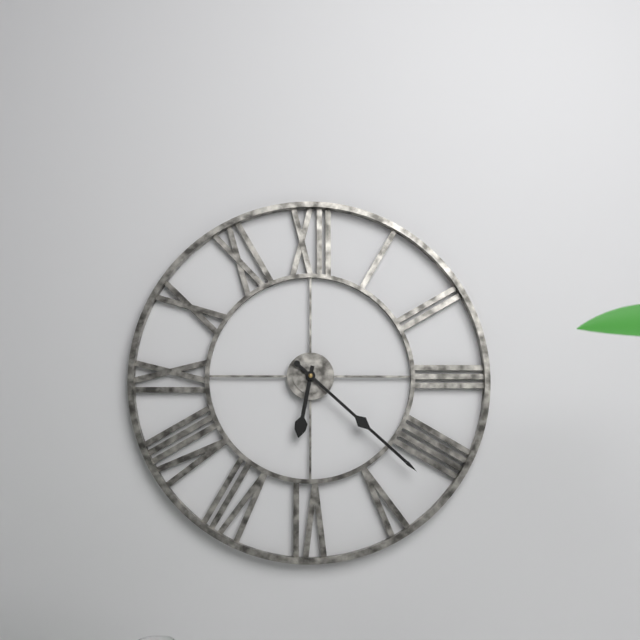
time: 6:22
